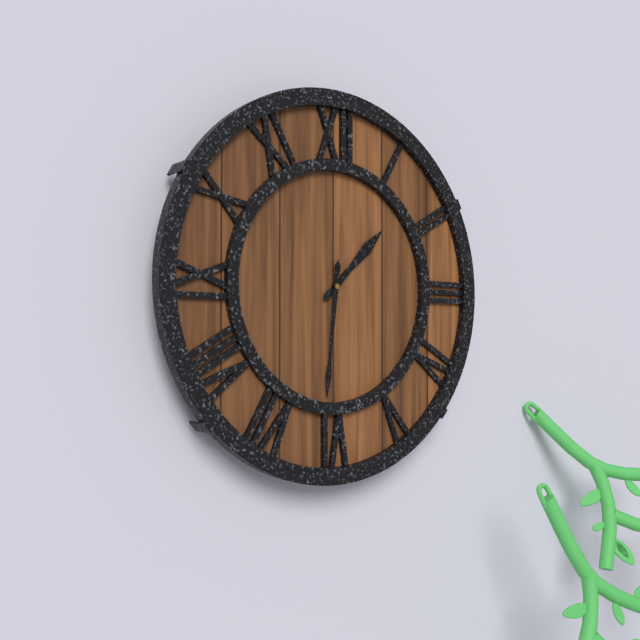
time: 1:31
